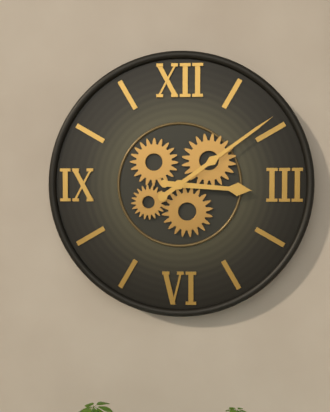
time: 3:09
